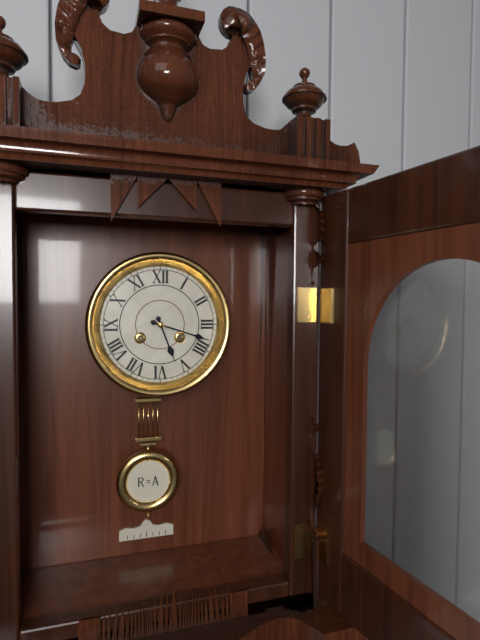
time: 5:18
